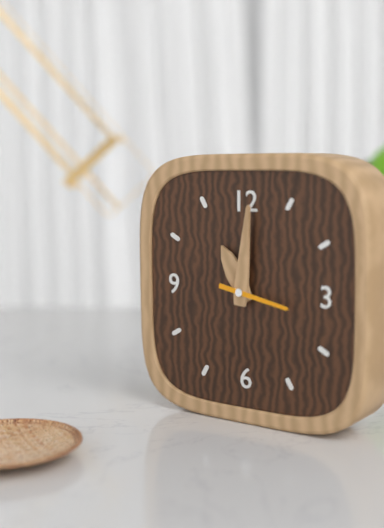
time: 11:01
